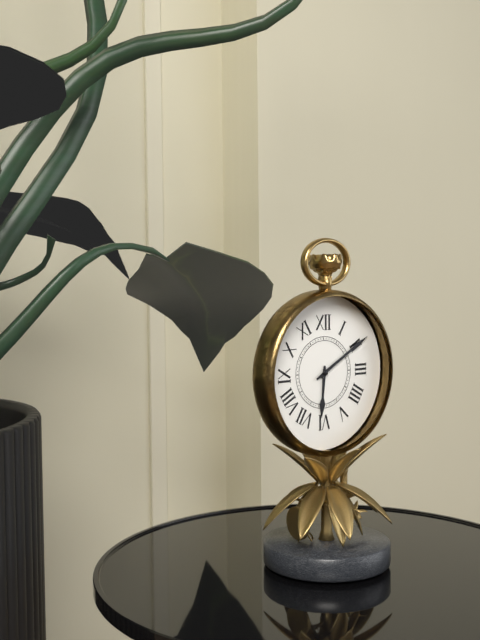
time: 6:10
